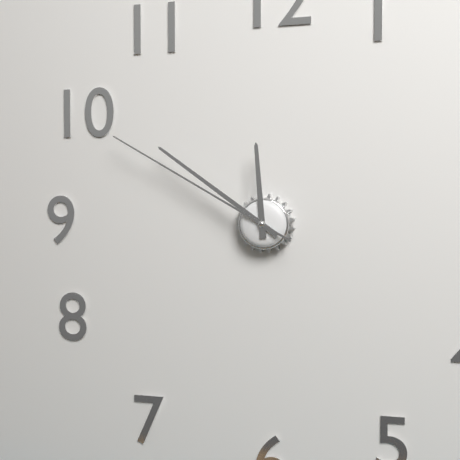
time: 11:51:50
